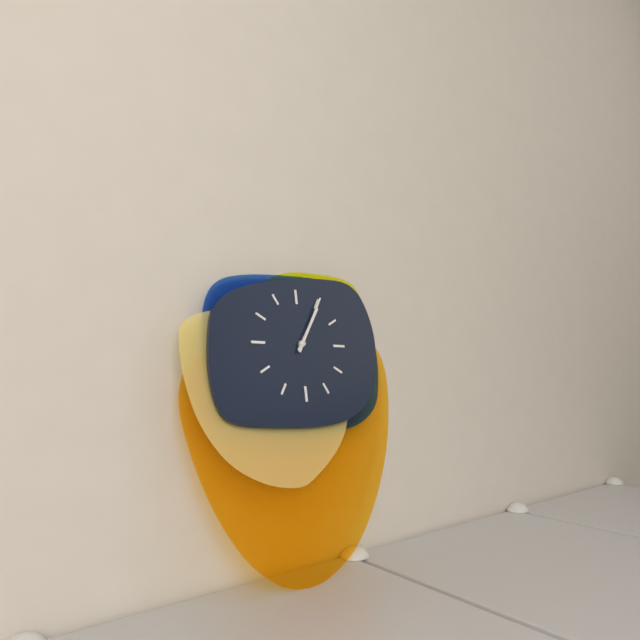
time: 1:05
